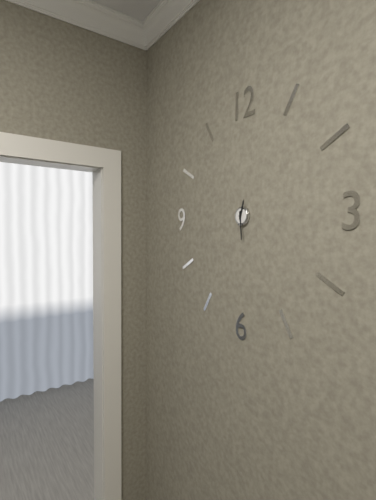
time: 12:29
